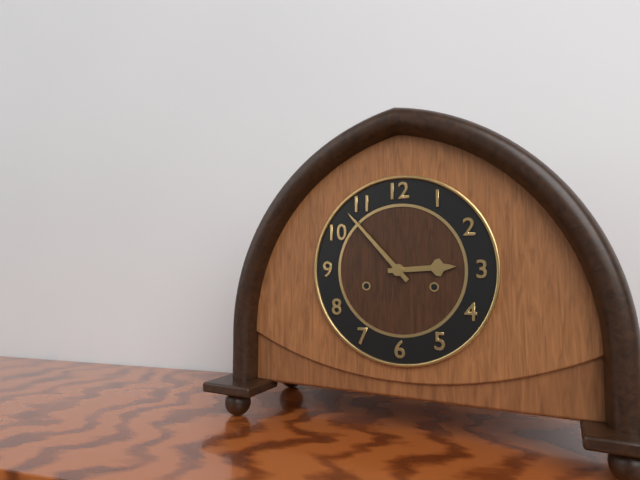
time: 2:53
